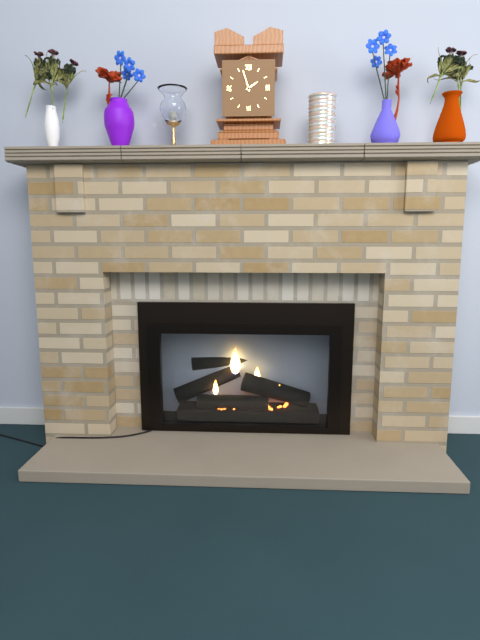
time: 1:57
